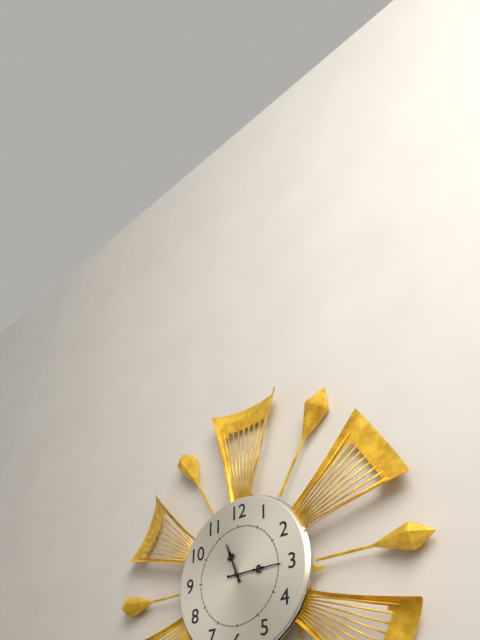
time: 11:15
